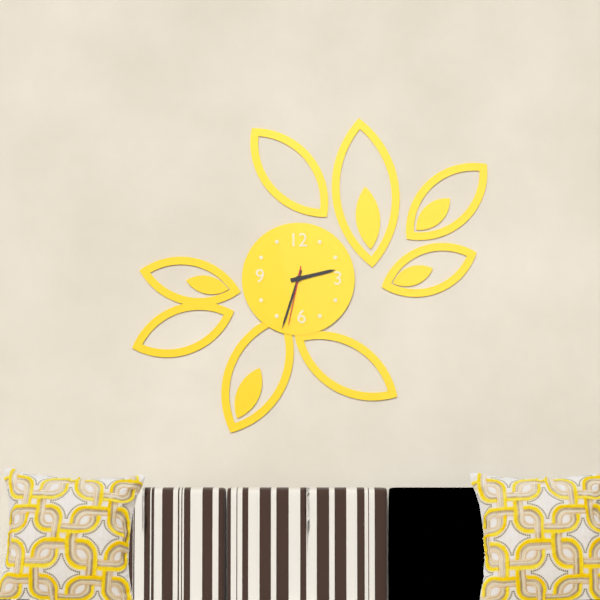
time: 2:33:32
